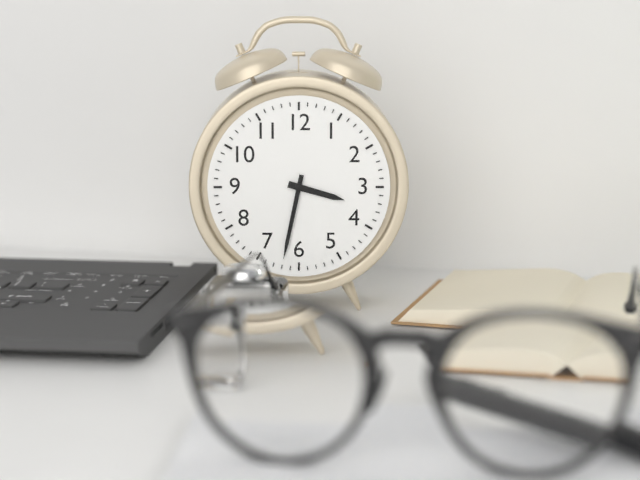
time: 3:32
